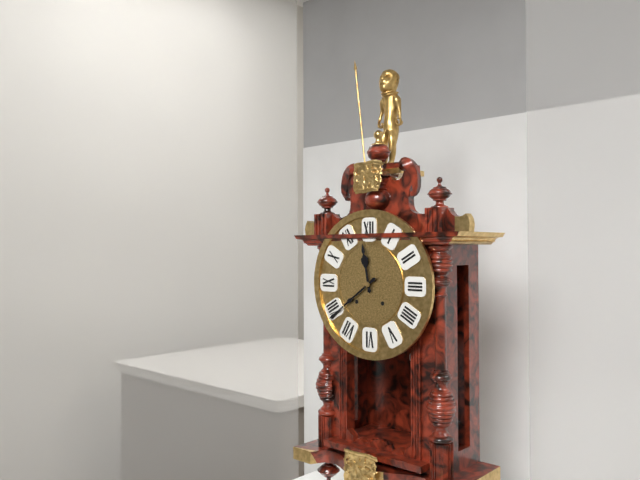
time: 11:39
